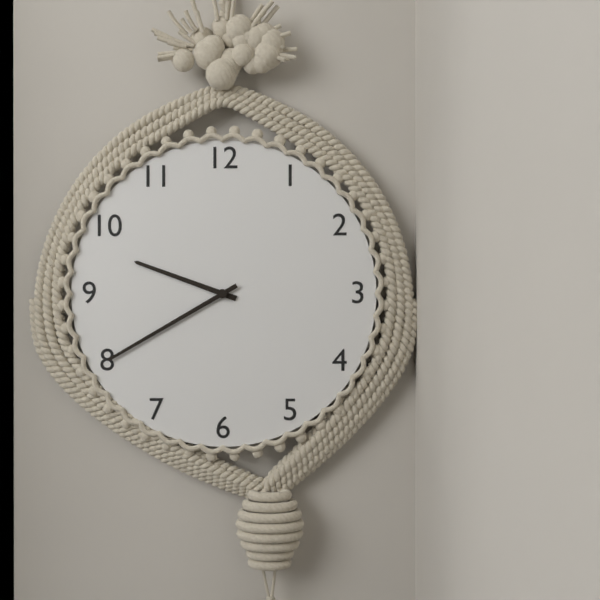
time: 9:40
